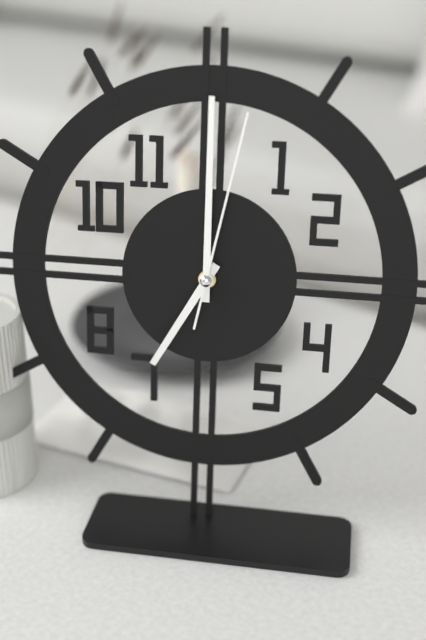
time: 7:00:02
